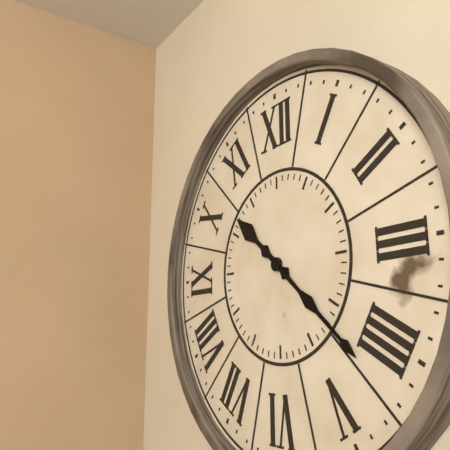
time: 10:22
